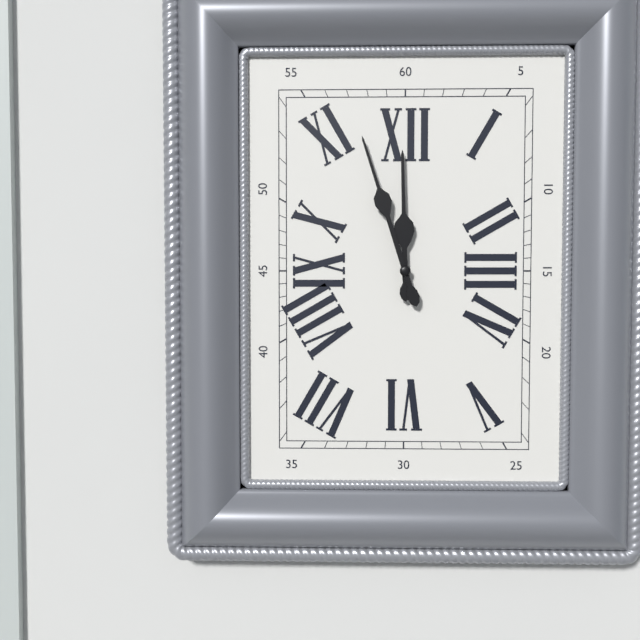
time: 11:57
